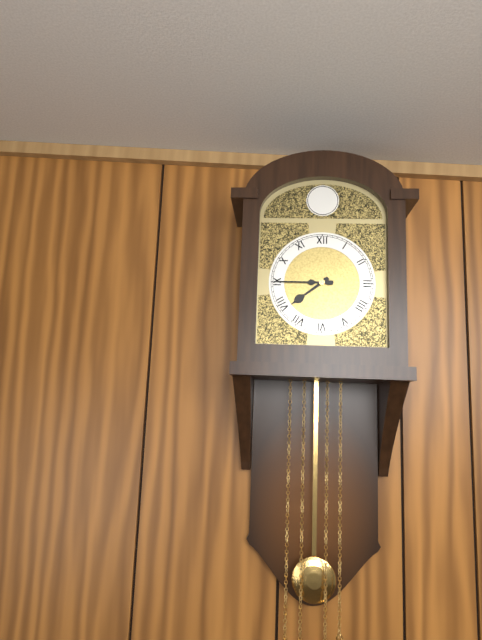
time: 7:45
